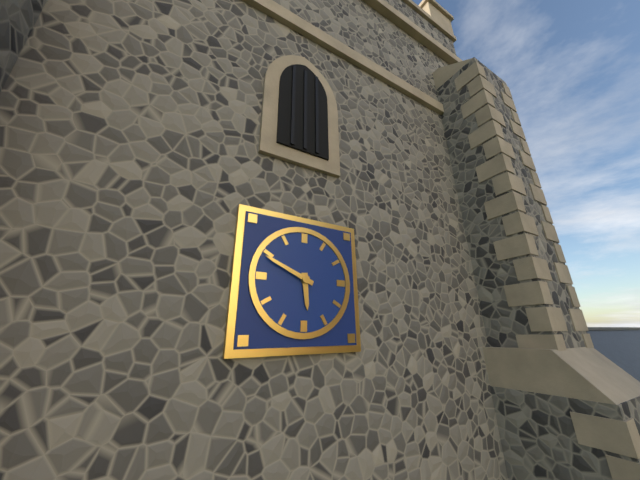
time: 5:49
